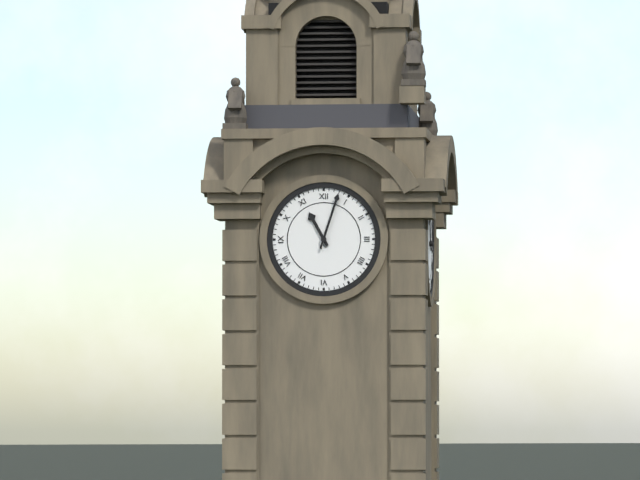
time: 11:03
